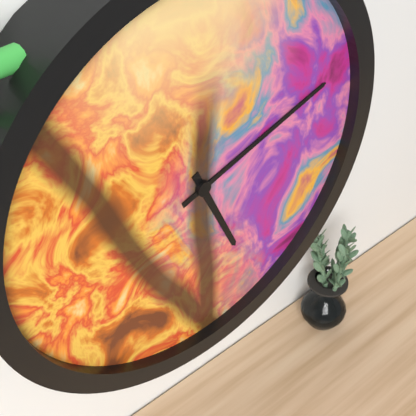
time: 5:12
